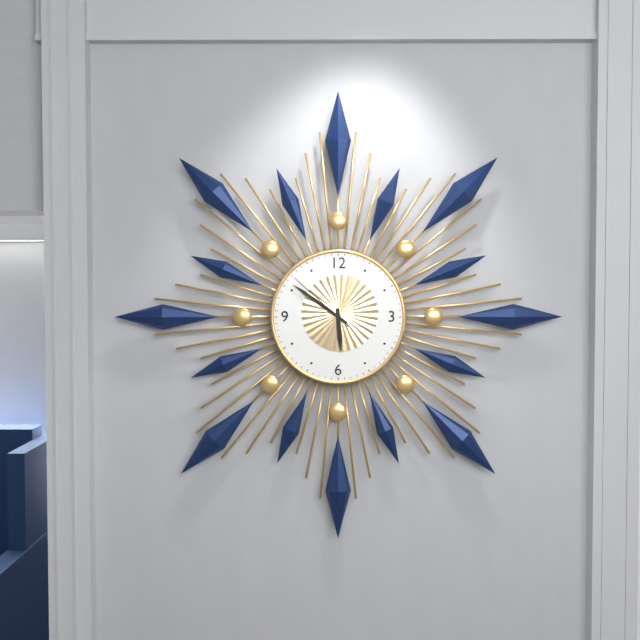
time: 5:51:52
